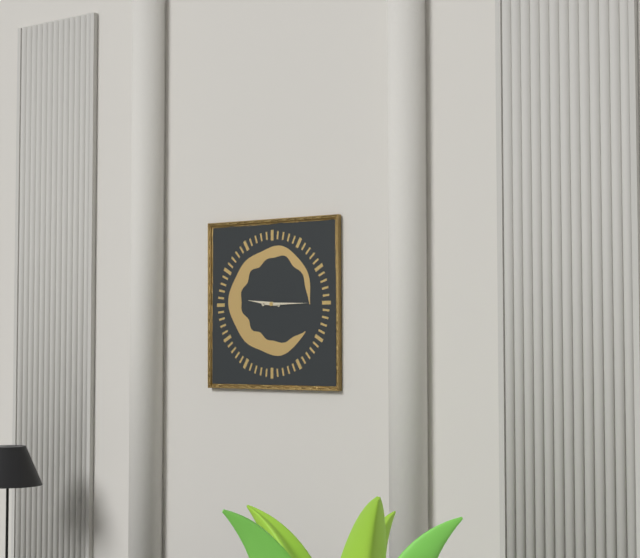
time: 9:15
